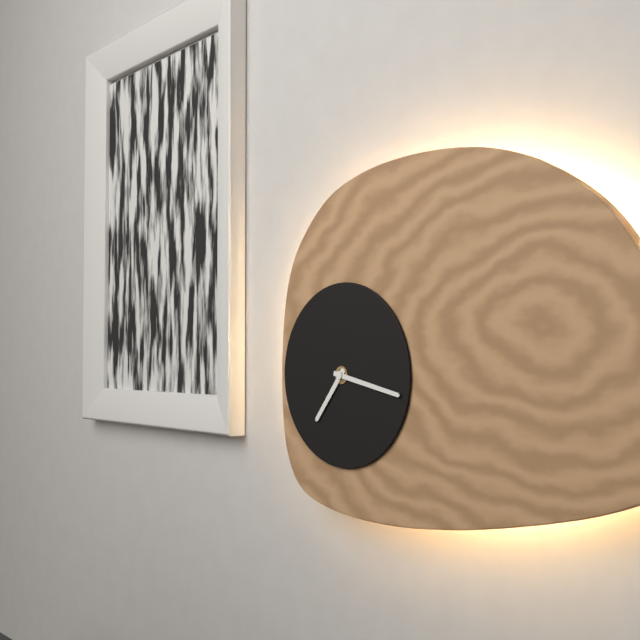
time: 7:17
